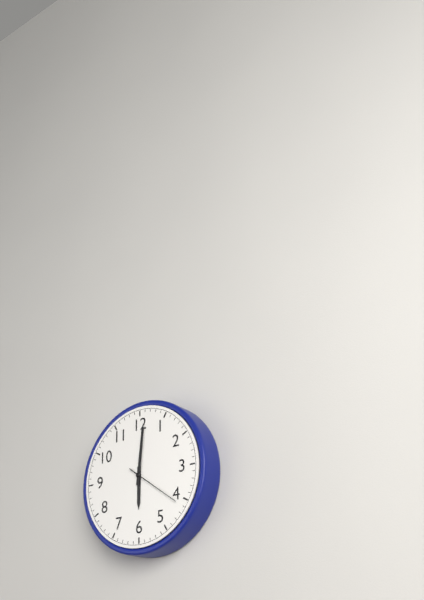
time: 6:01:21
